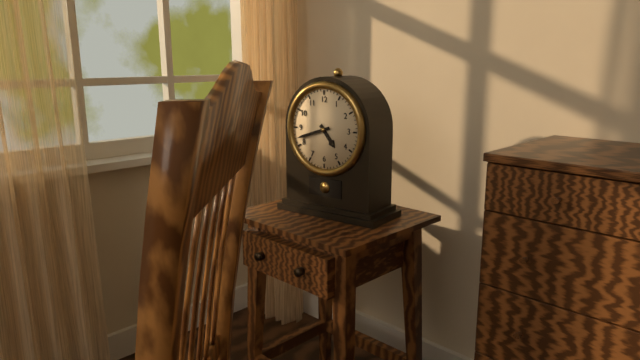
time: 4:42
